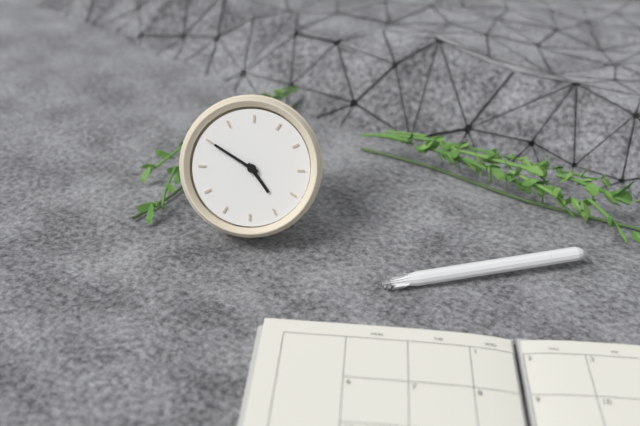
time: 3:45
